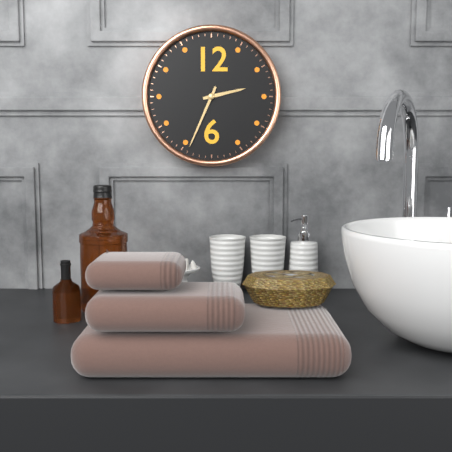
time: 2:34
